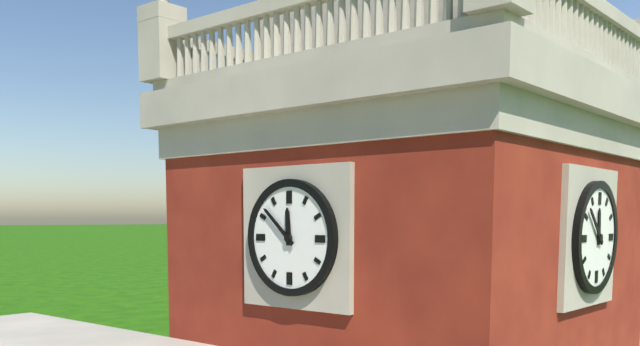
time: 11:52
